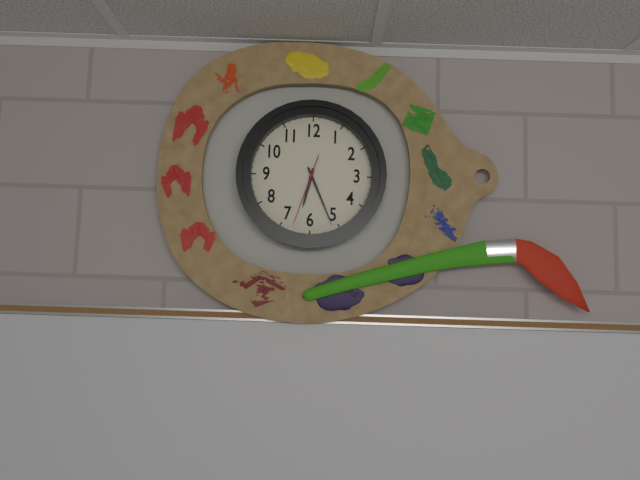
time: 6:26:33
